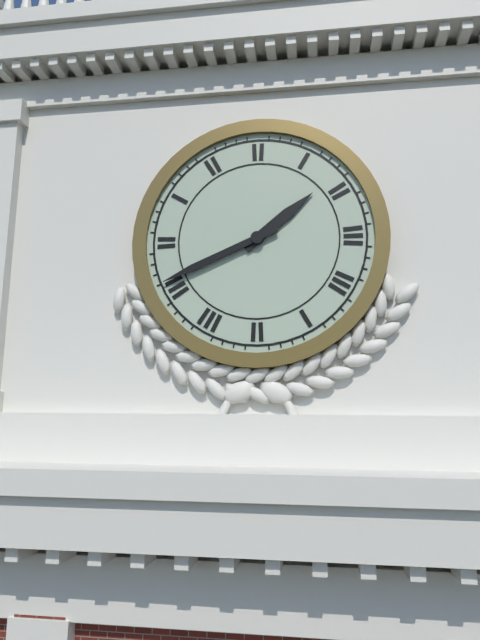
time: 1:41
